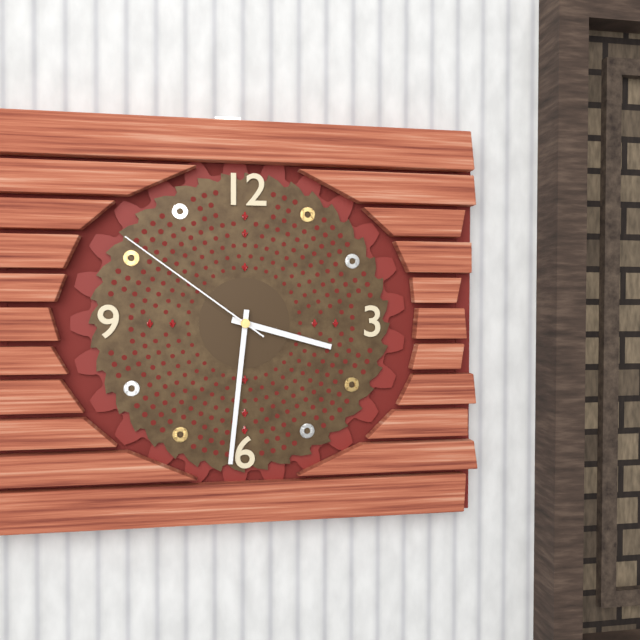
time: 3:31:51
